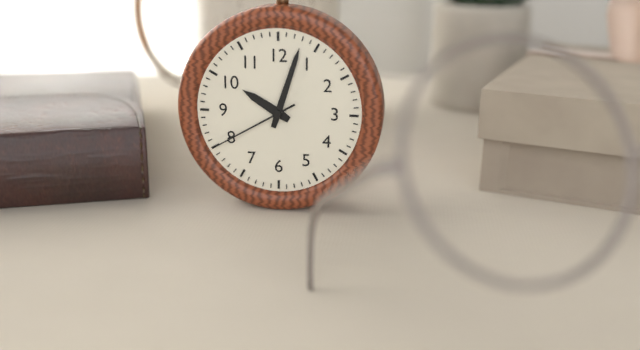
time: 10:03:40
